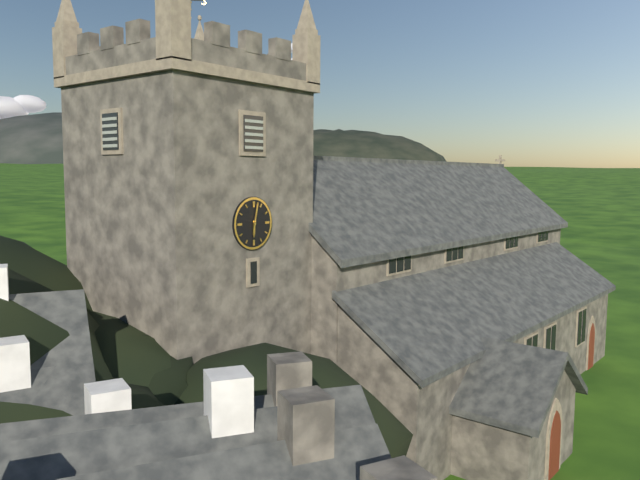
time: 6:02
